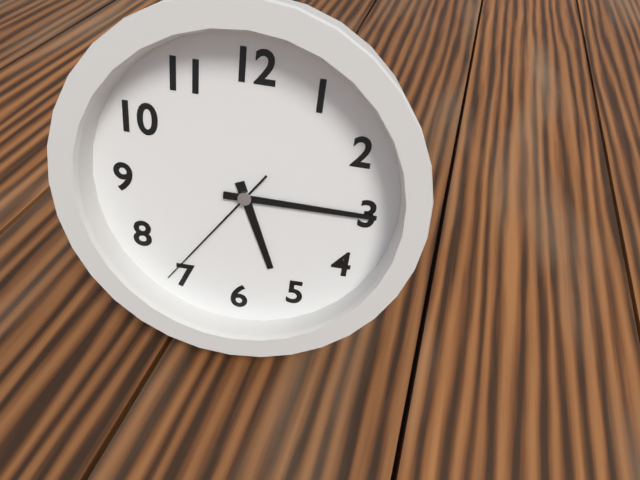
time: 5:15:36
